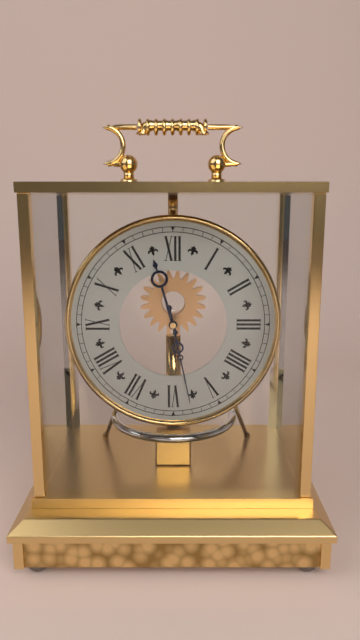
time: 11:28
